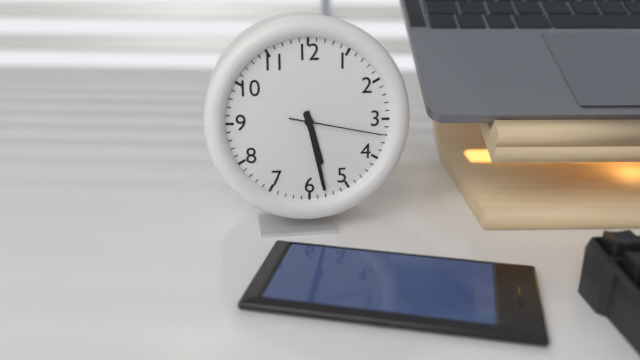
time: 5:28:17
